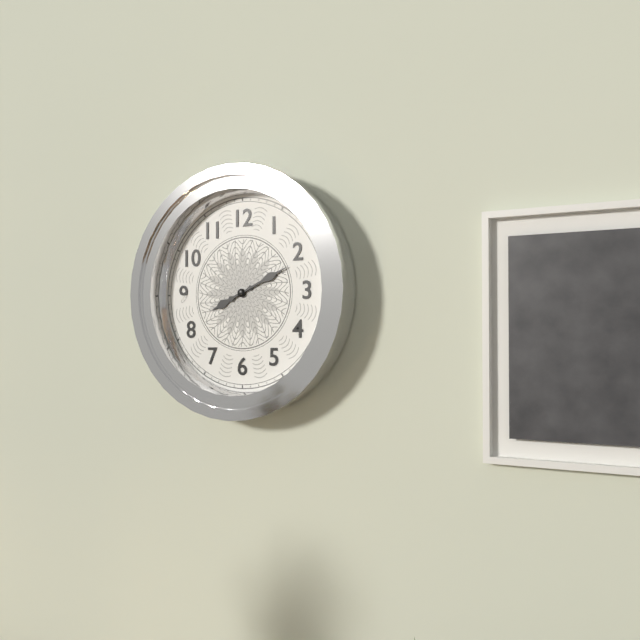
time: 8:11
